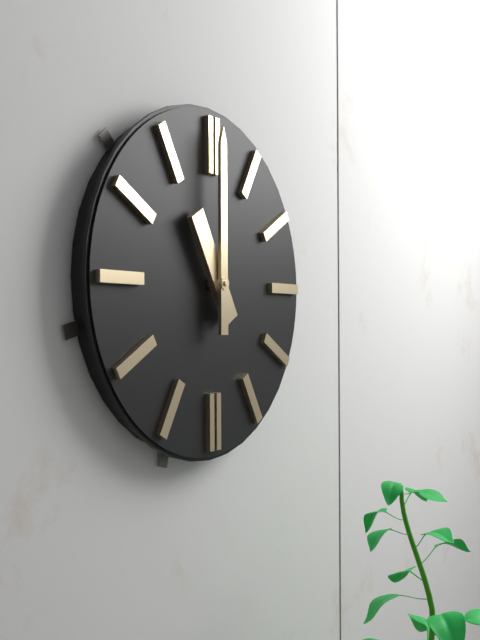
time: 11:00
